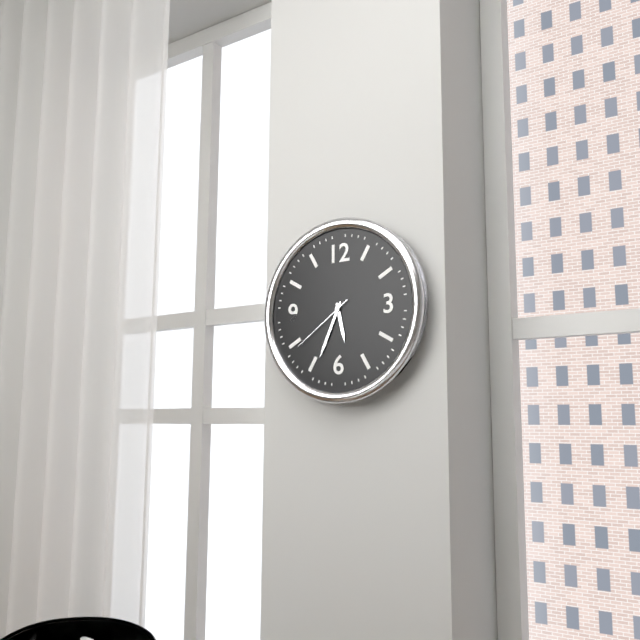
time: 5:34:39
